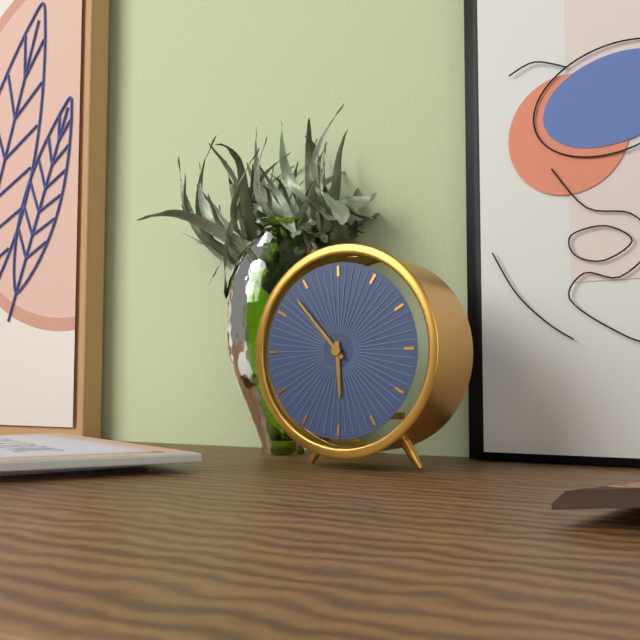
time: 5:53
